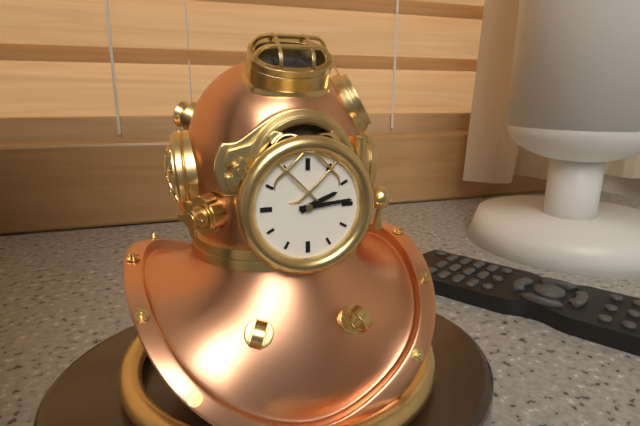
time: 2:14
